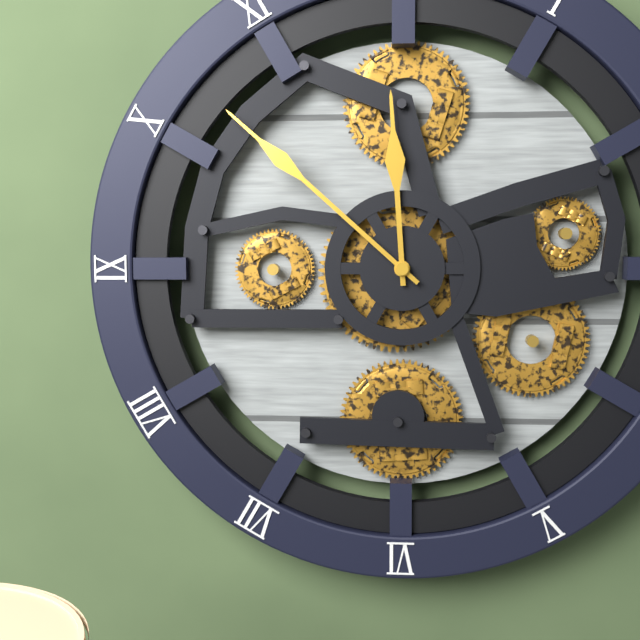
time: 11:52
